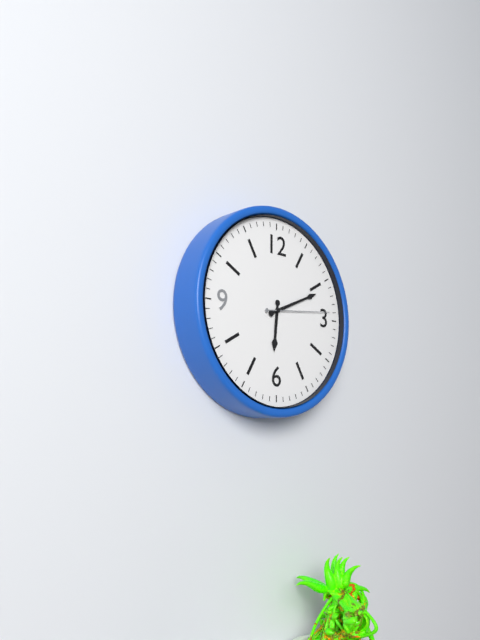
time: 6:11:14
